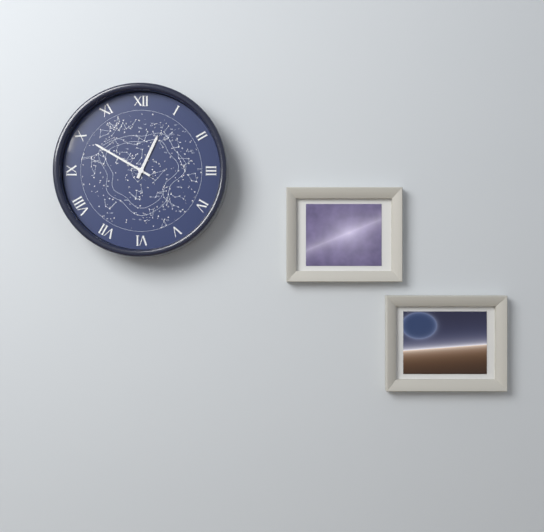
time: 12:50
